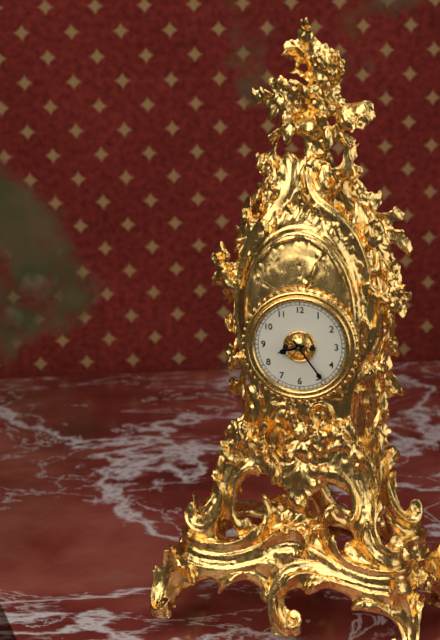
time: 8:24
